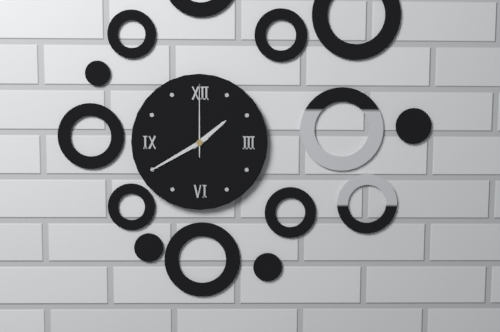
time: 1:40:00
